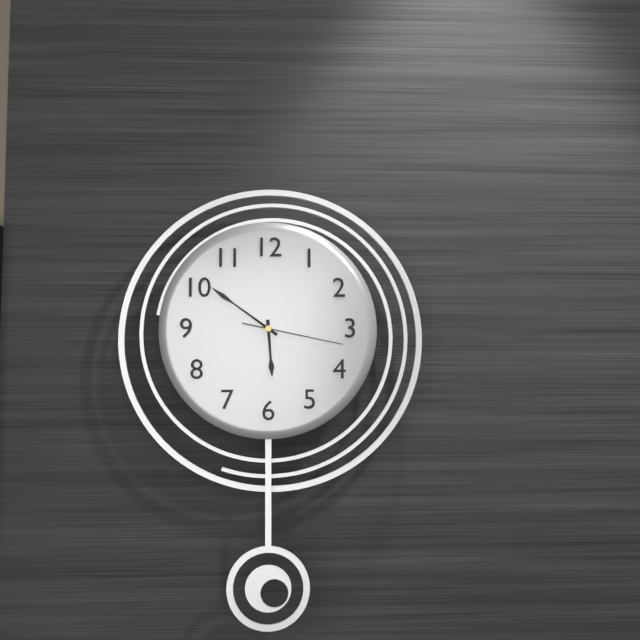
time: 5:51:17
